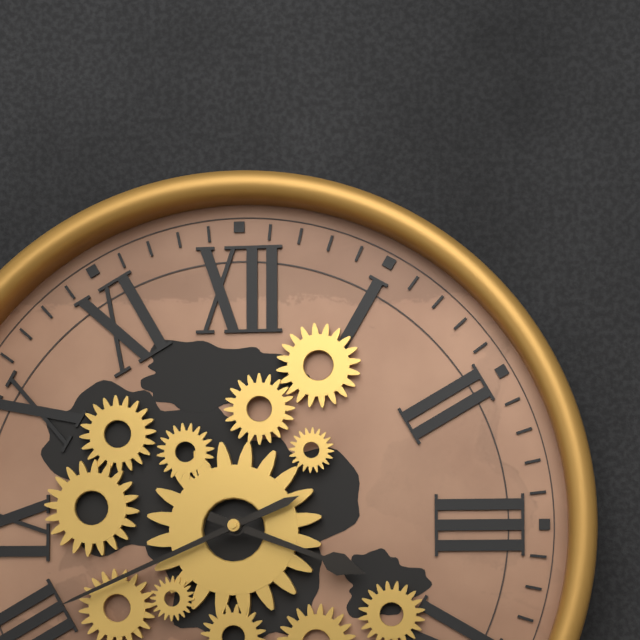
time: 3:41
